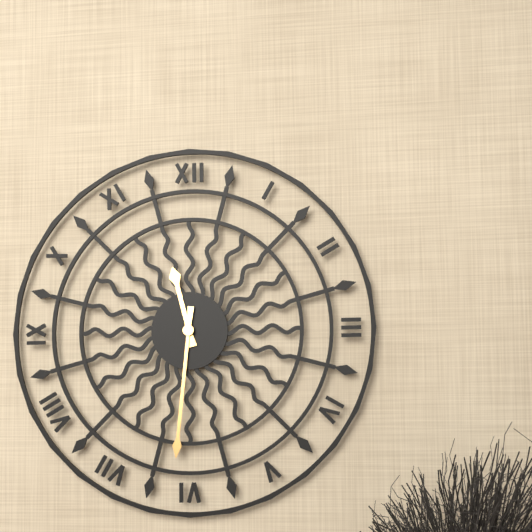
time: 11:31
